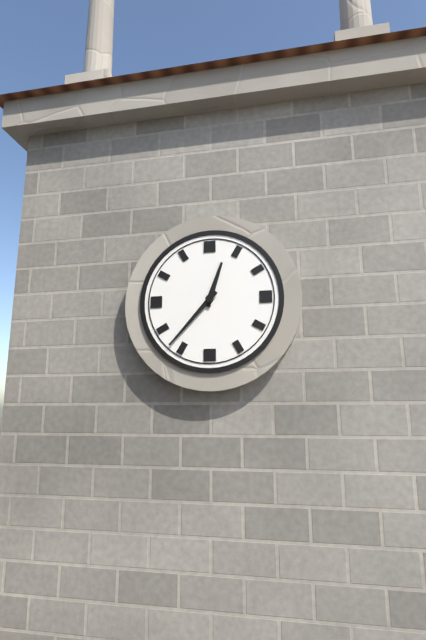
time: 12:37
